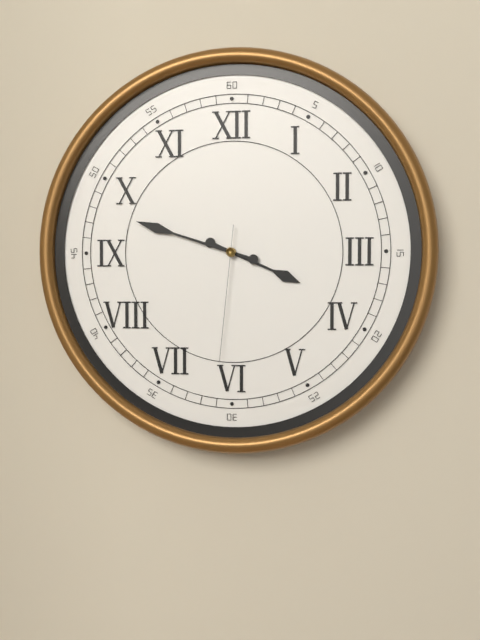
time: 3:48:31
